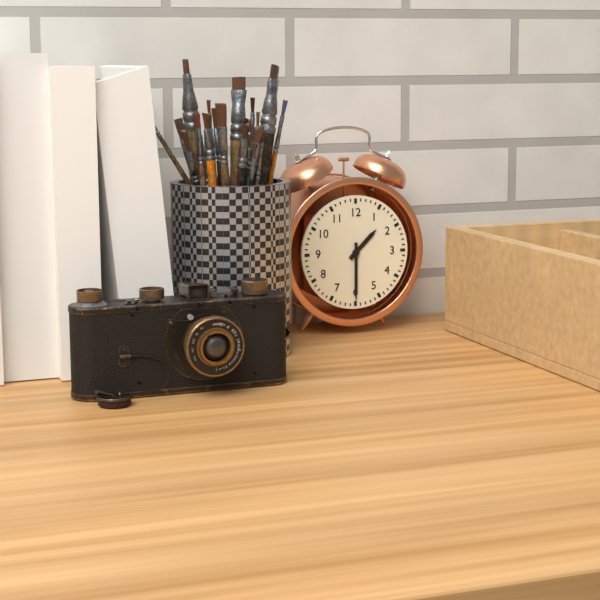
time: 1:30
